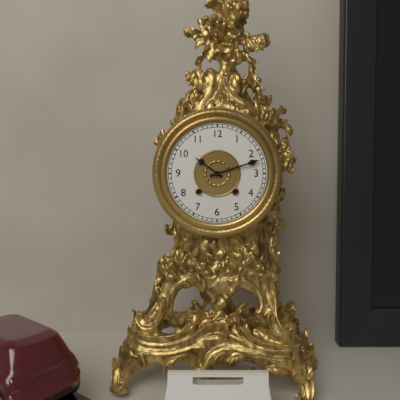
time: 10:12
